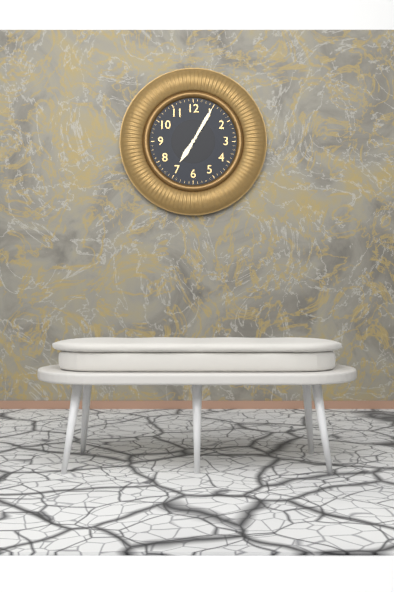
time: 7:05
